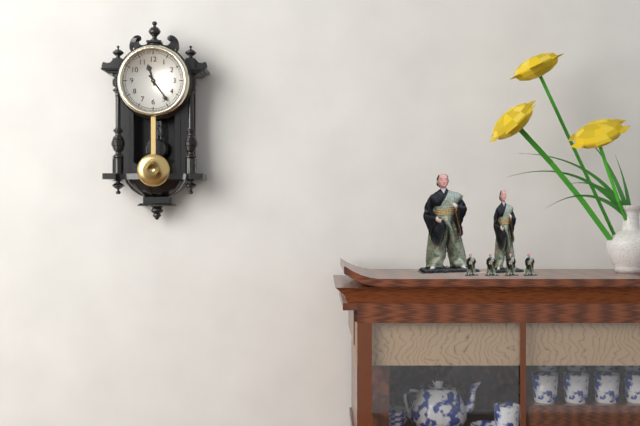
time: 11:24
